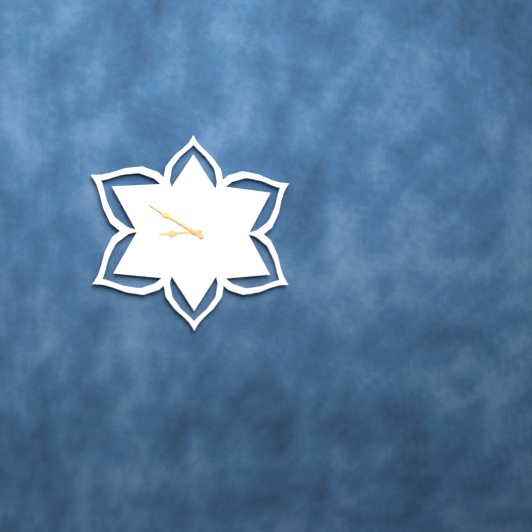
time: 8:50
